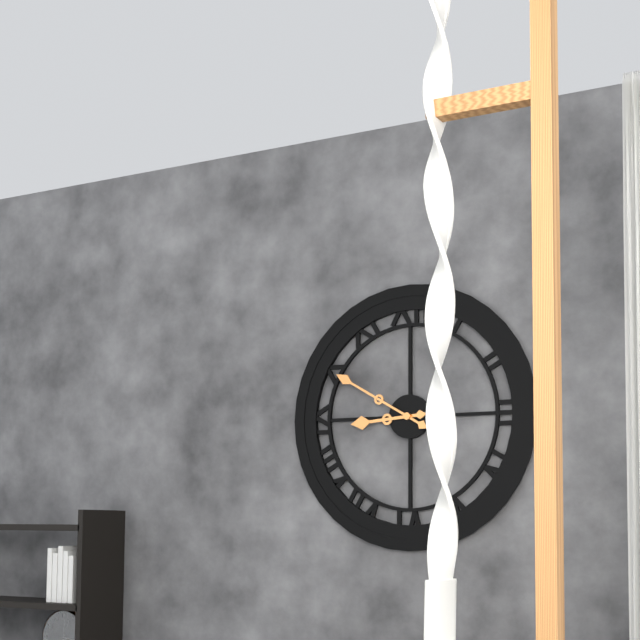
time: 8:50
